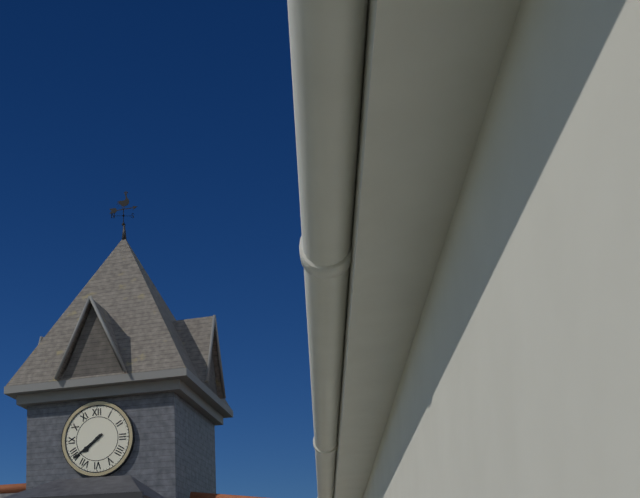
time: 7:39
